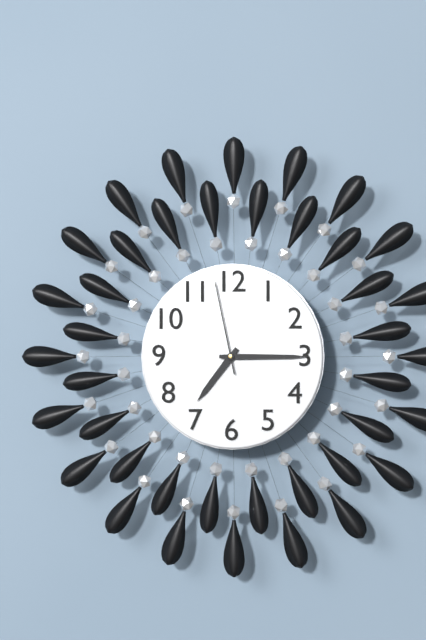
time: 7:15:58
